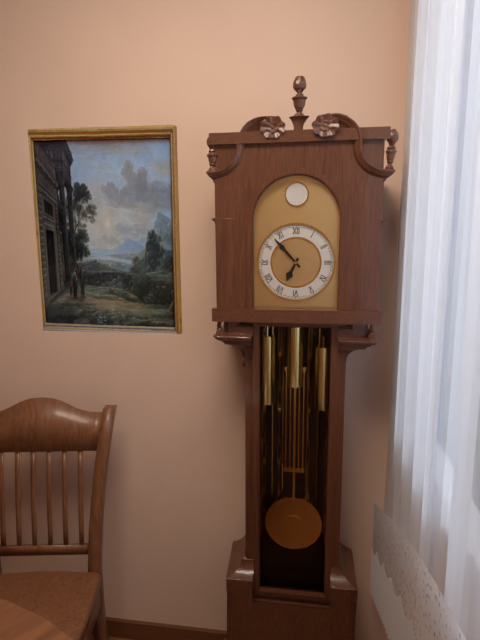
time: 6:53
